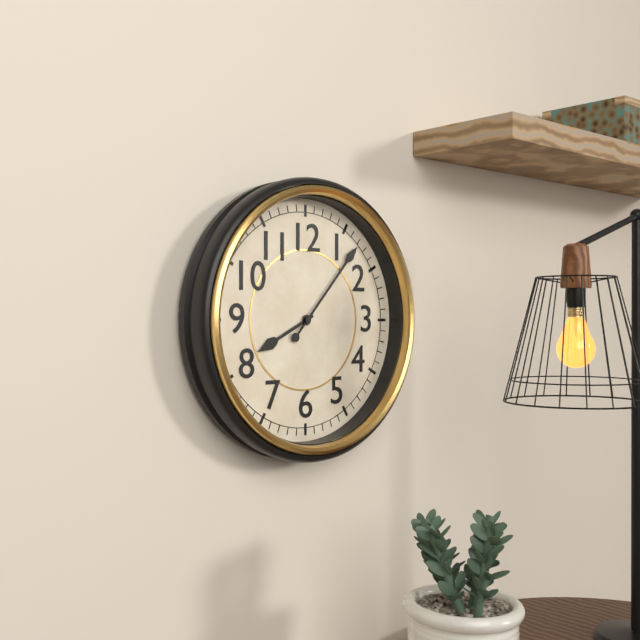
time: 8:07
